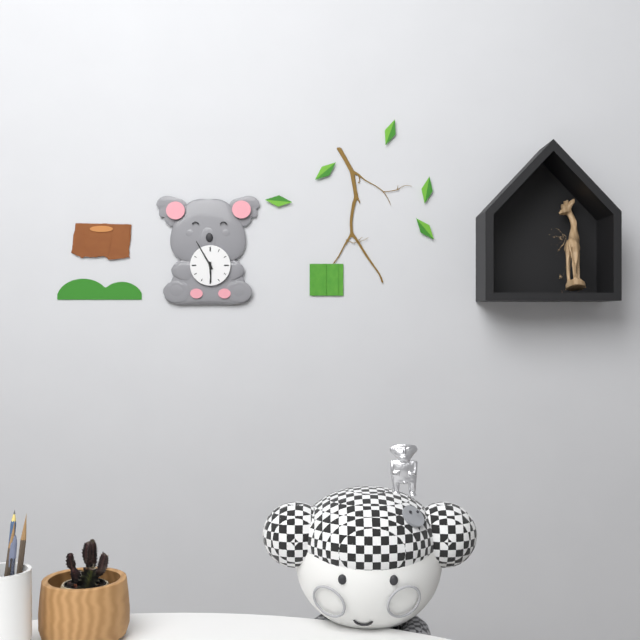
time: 5:55
